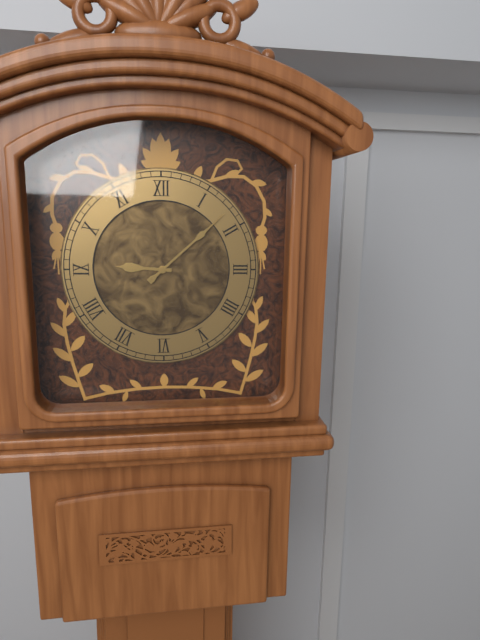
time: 9:08
